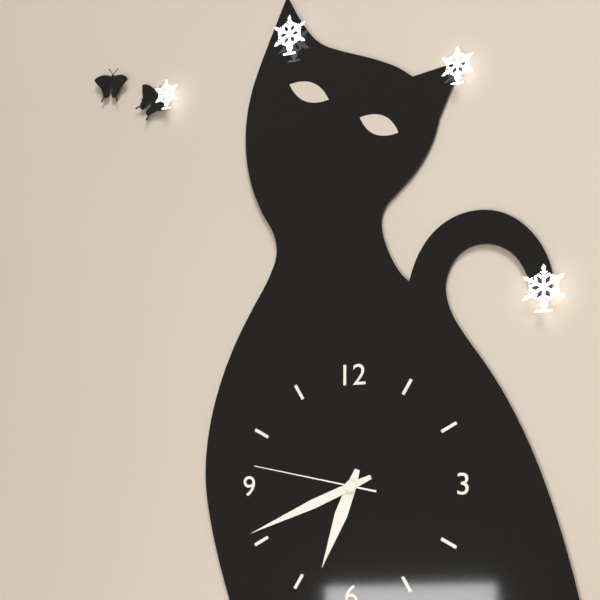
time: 6:41:47
